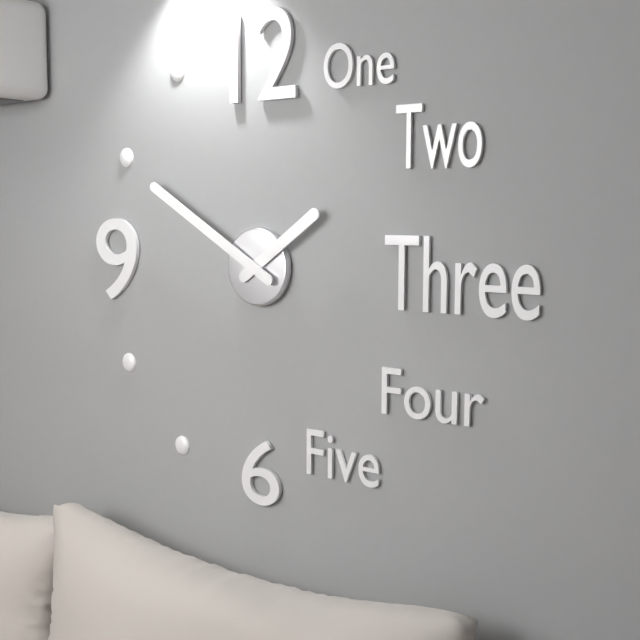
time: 1:50
